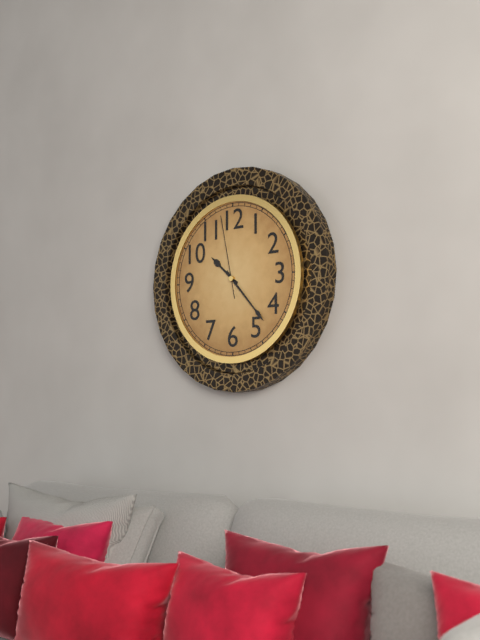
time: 10:23:58
